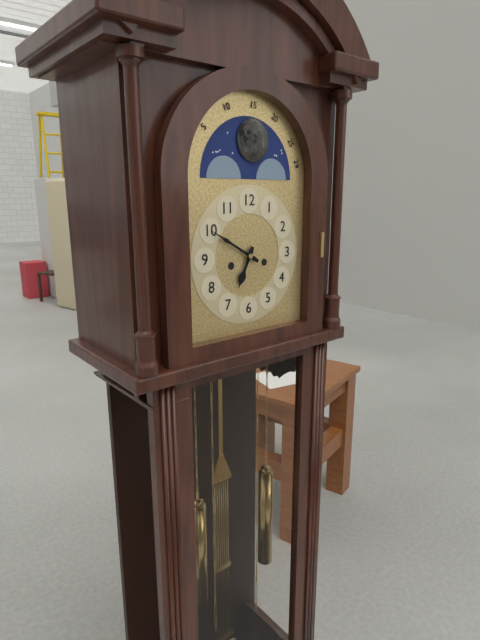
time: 6:50
